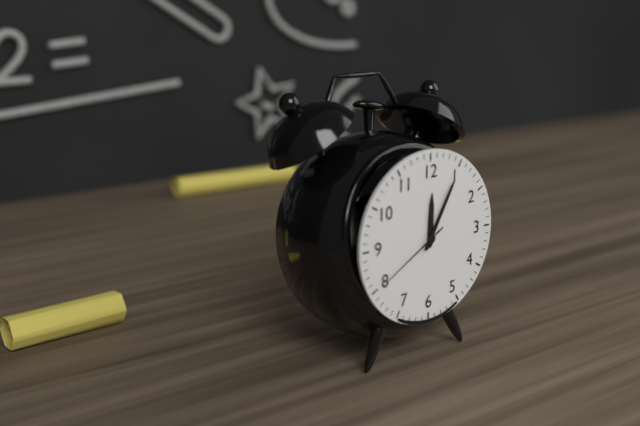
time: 12:05:40
